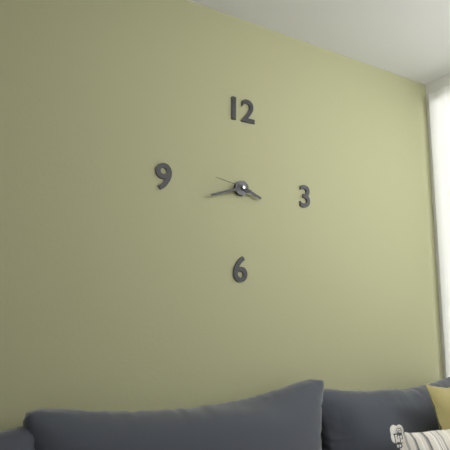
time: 3:42
